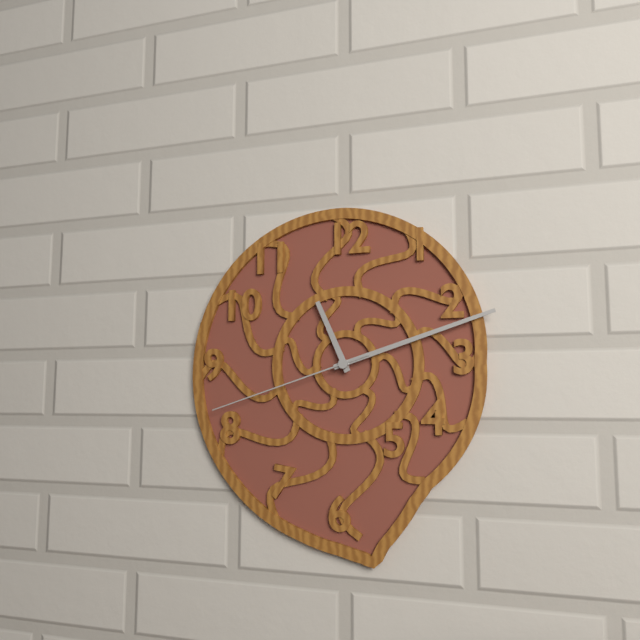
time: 11:12:42
